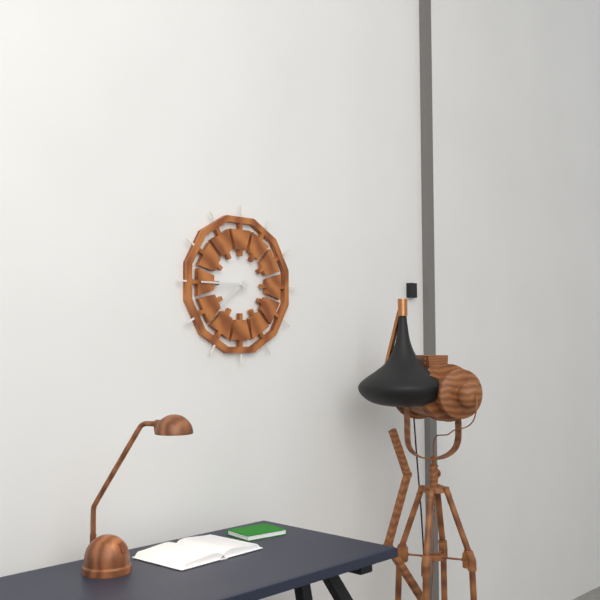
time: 7:45
